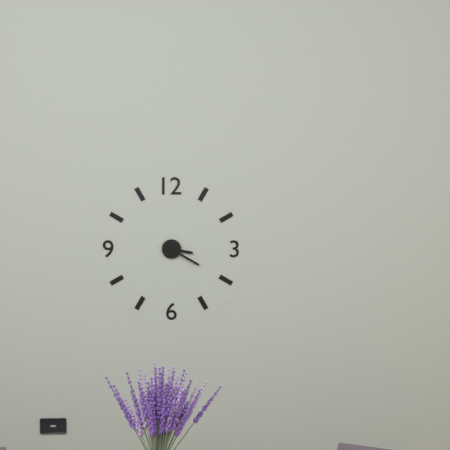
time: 3:20
